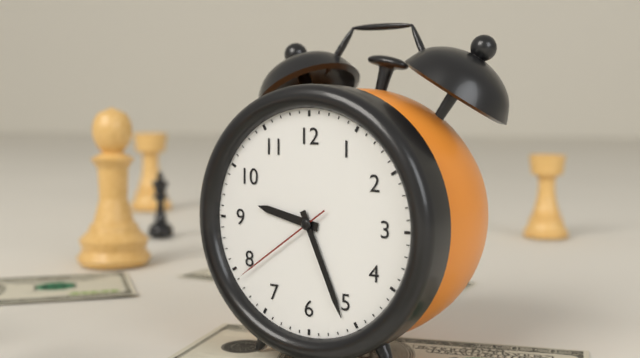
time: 9:26:39
